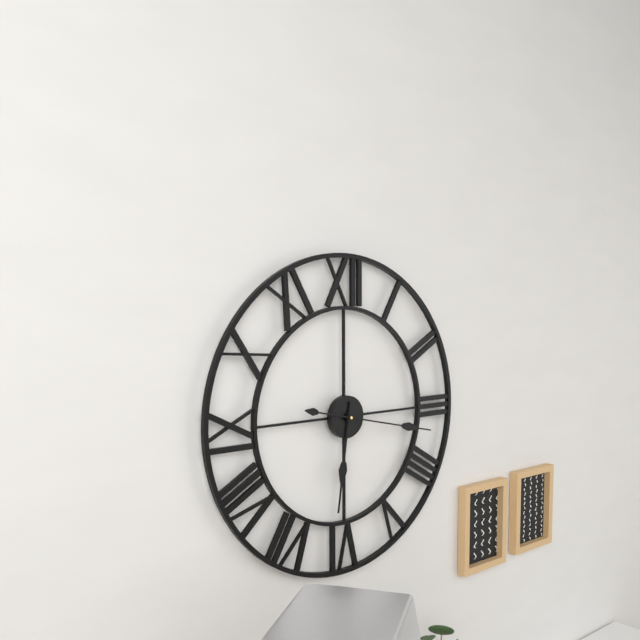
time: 6:17
